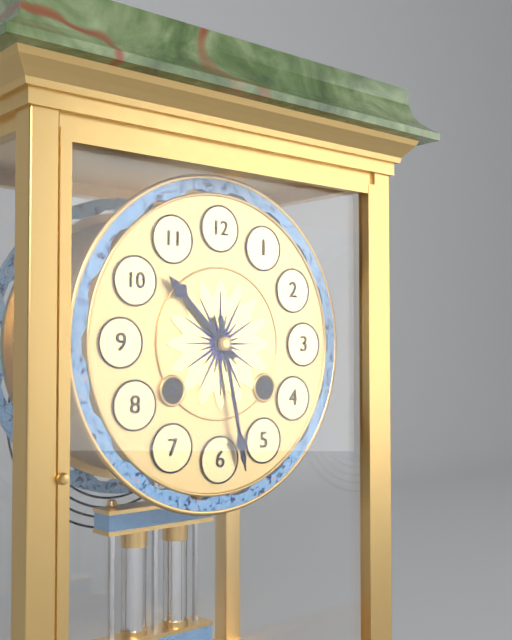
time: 10:28
